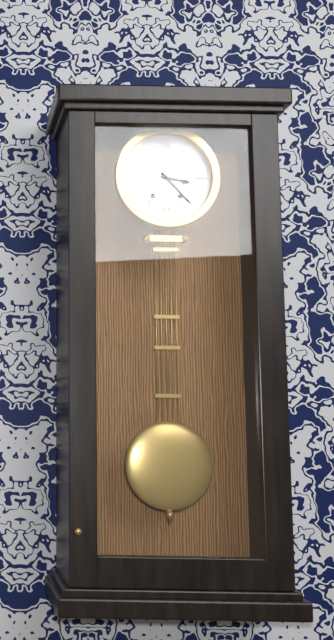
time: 3:23
